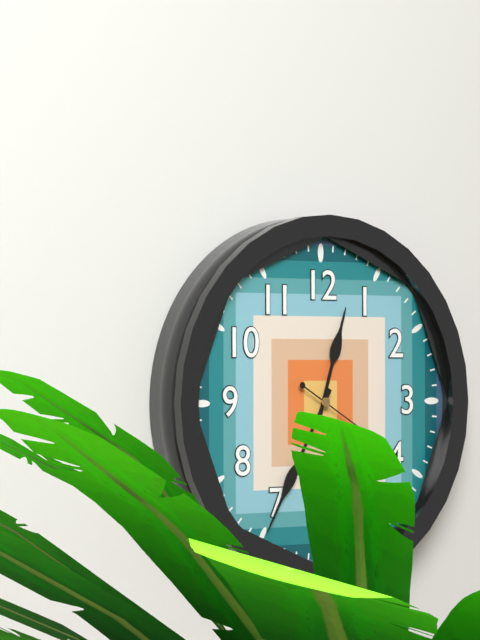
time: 12:35:20
